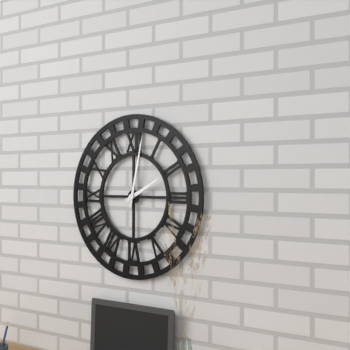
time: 2:02
